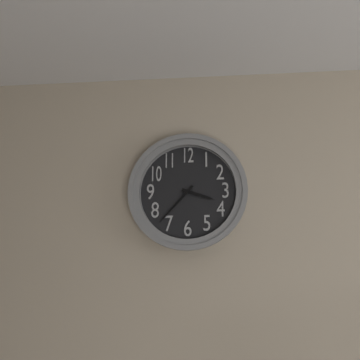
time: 3:37
